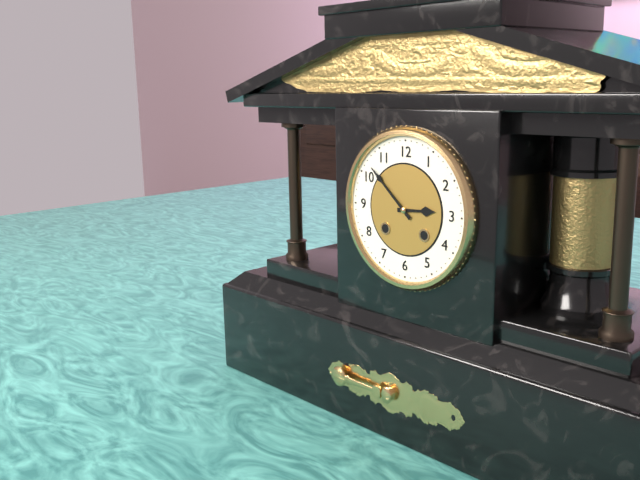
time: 2:52
